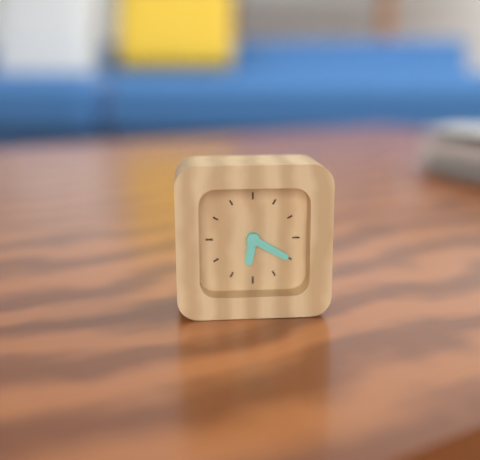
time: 6:20
